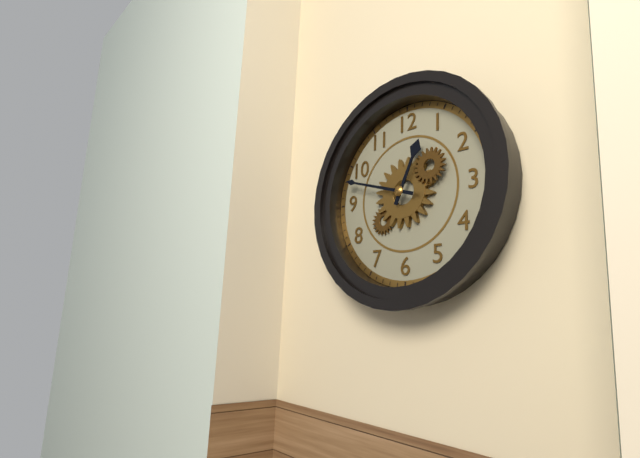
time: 12:48
